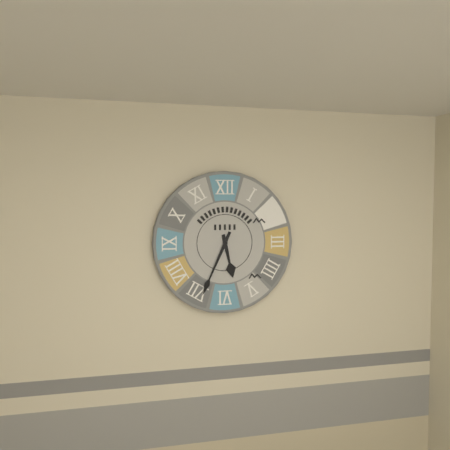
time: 5:34
